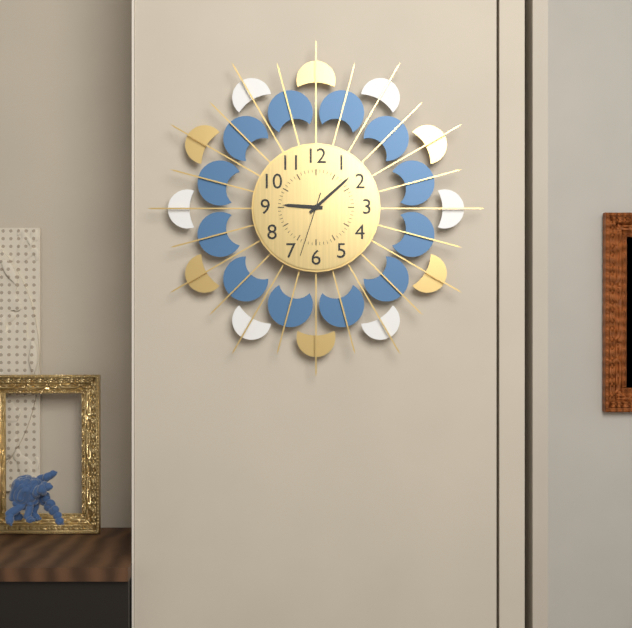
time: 9:08:33
